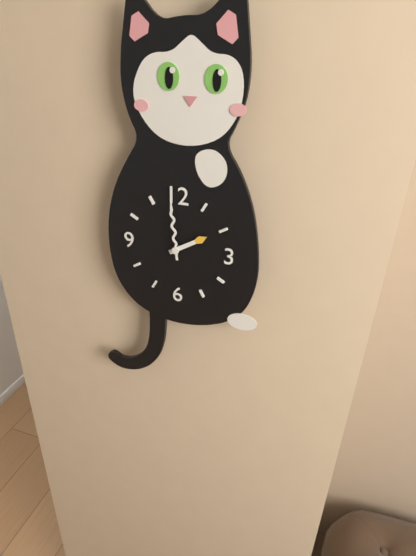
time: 1:59
